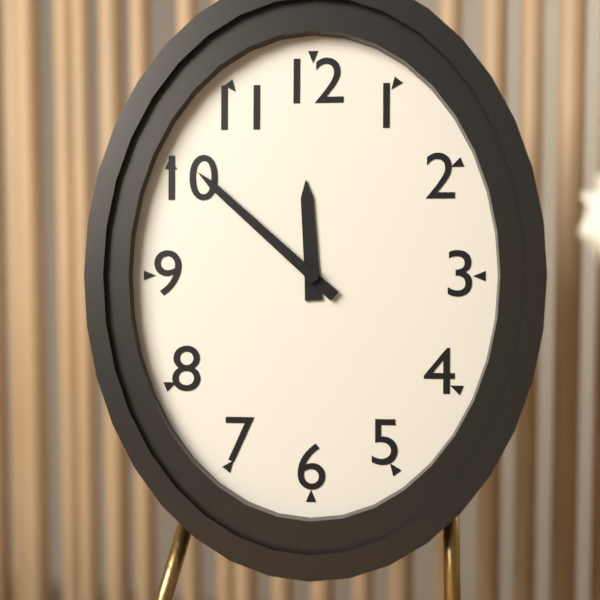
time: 11:52
